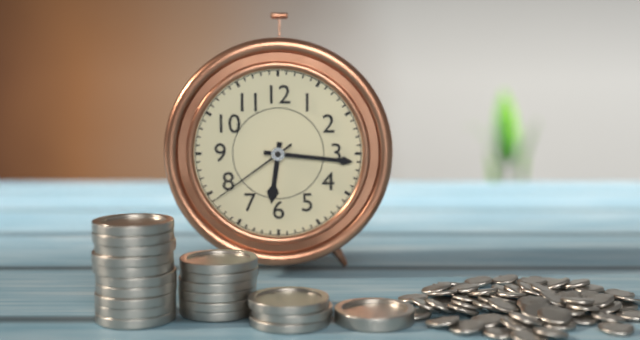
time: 6:16:39
